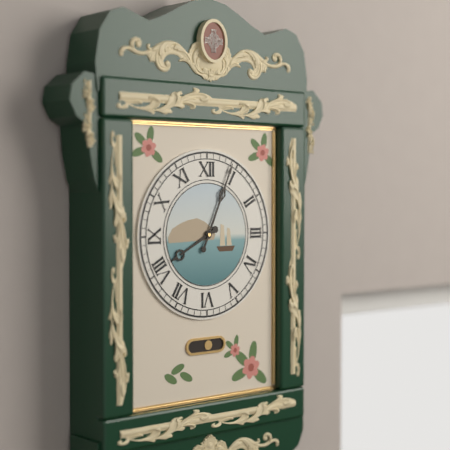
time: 8:04
